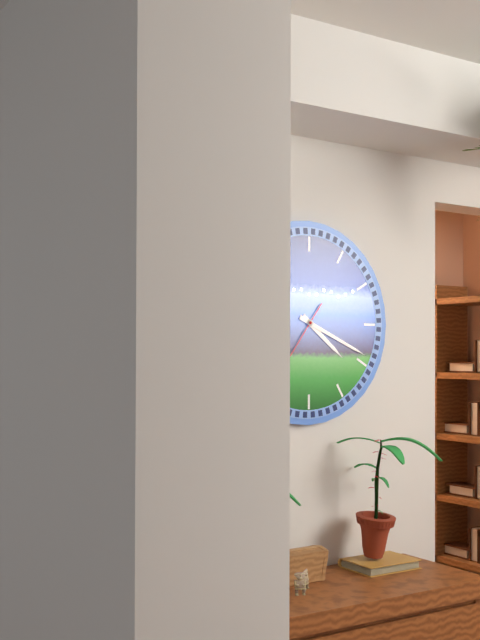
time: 4:19
